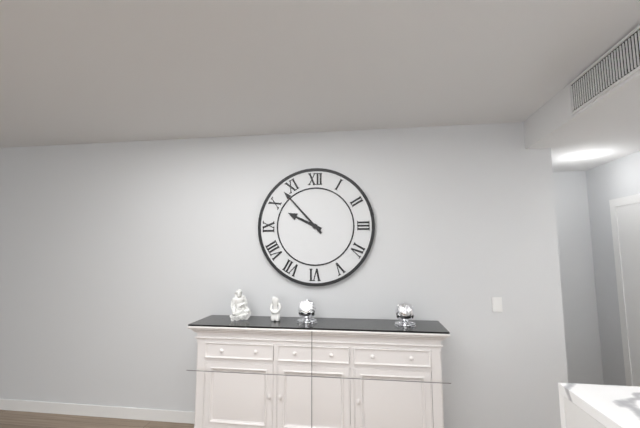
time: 9:53
